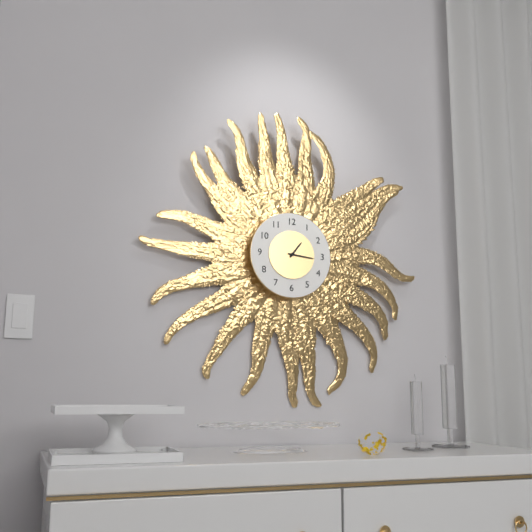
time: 1:16
